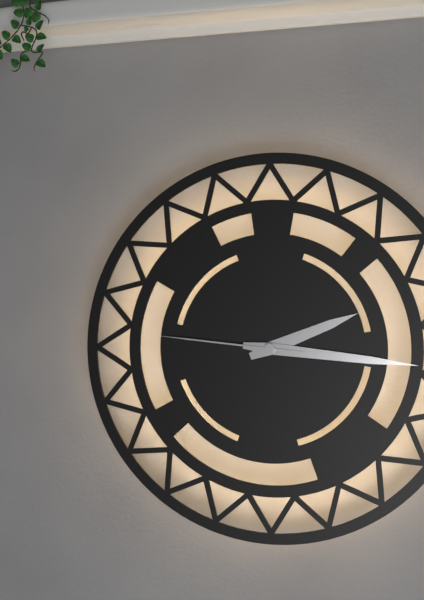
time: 2:16:46
